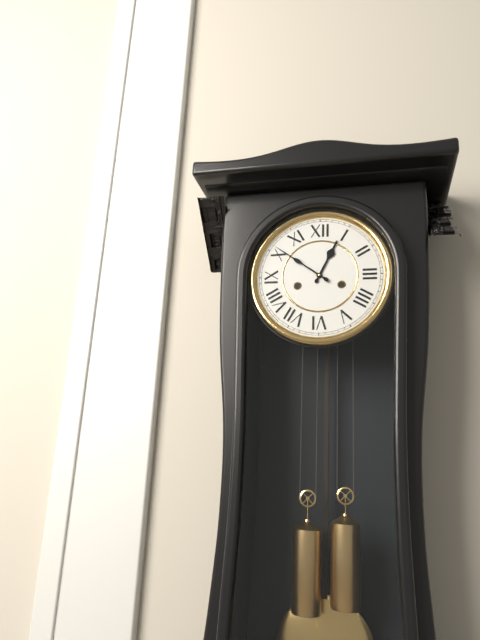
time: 12:51
